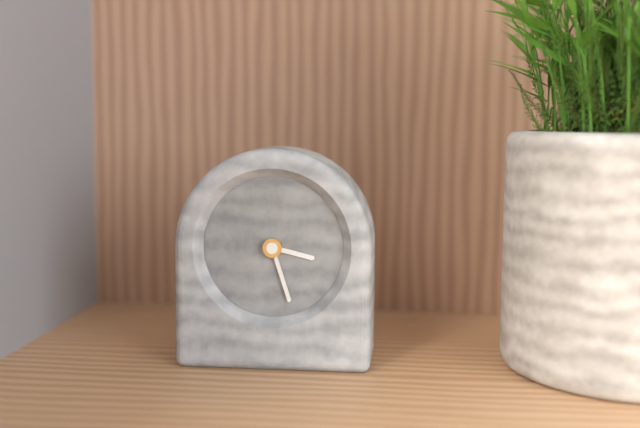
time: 3:27
